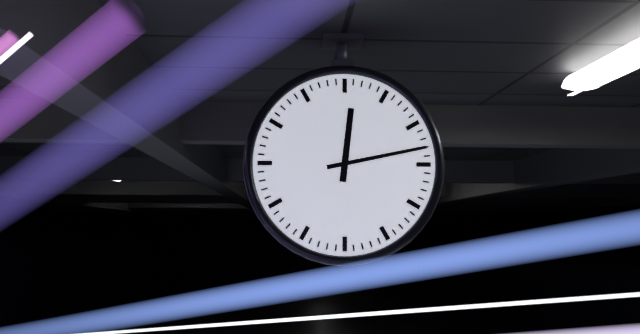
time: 12:13
